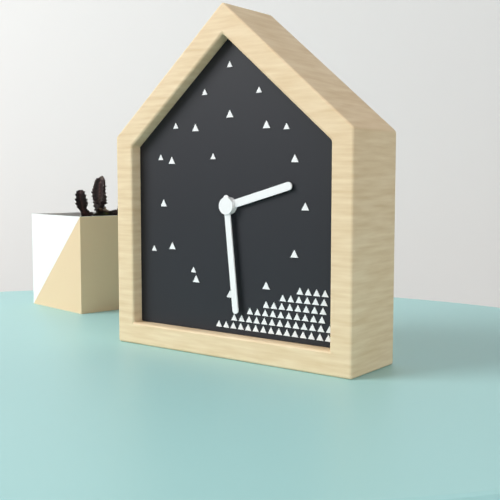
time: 2:29
